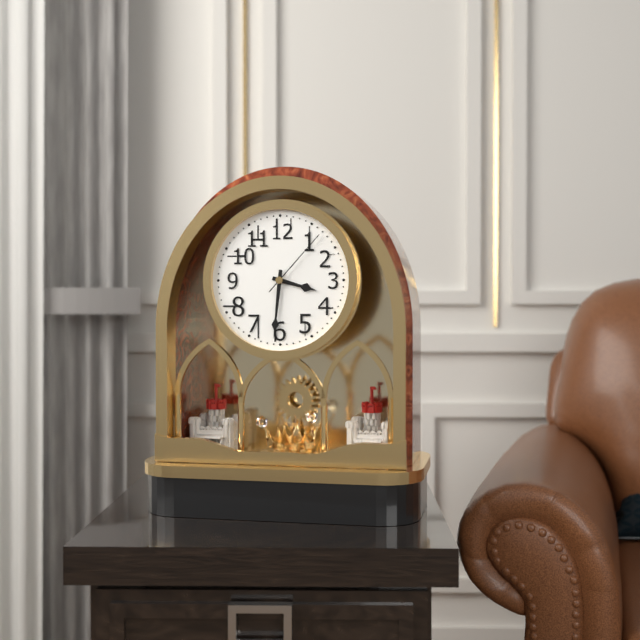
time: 3:31:07
